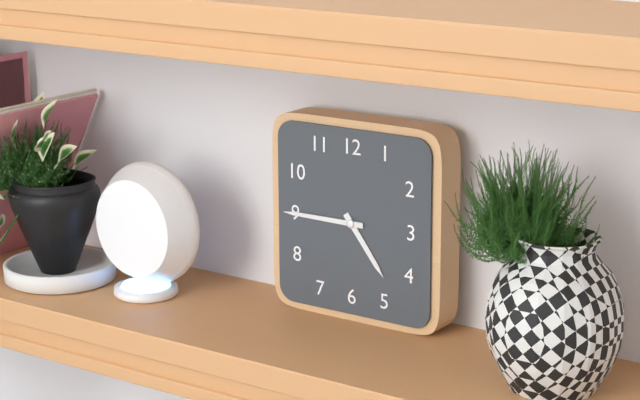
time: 4:45
